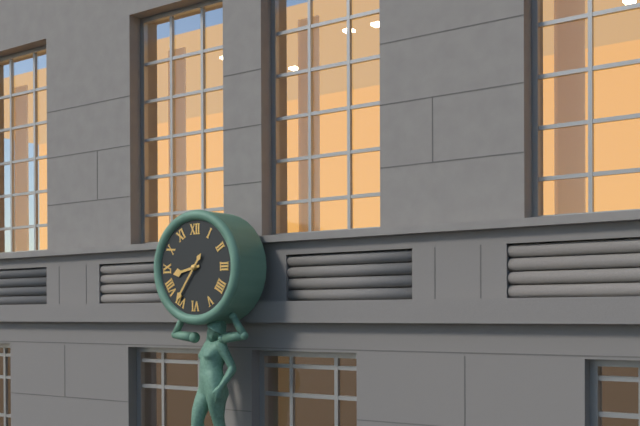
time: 8:36
